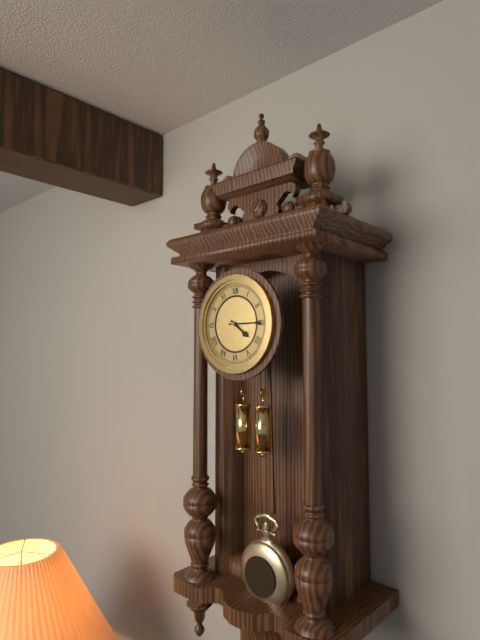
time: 4:15
